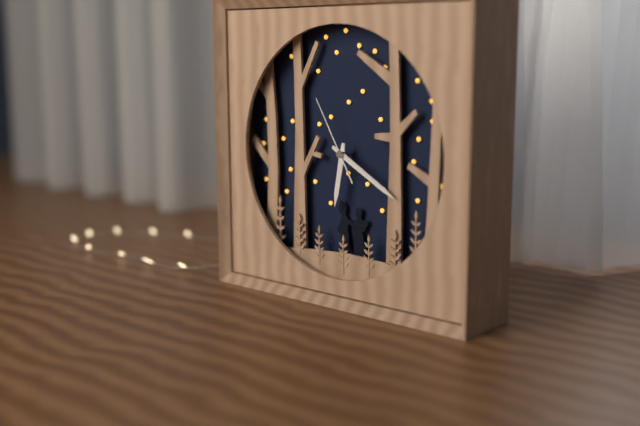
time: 6:20:55
